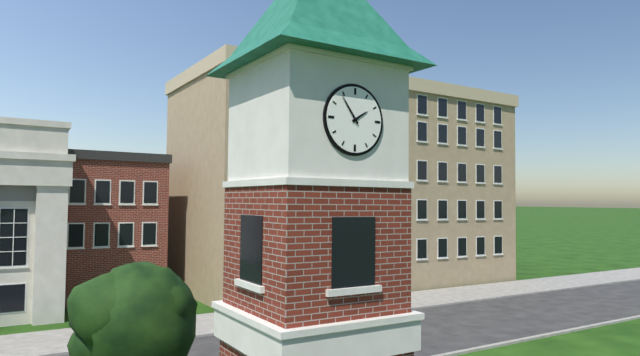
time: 1:54
